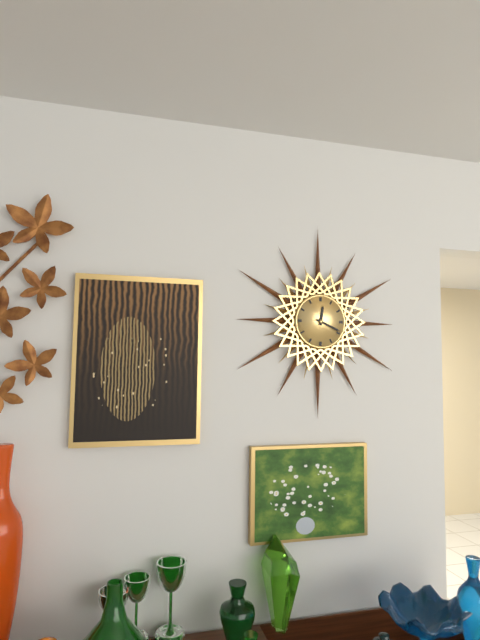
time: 12:19
